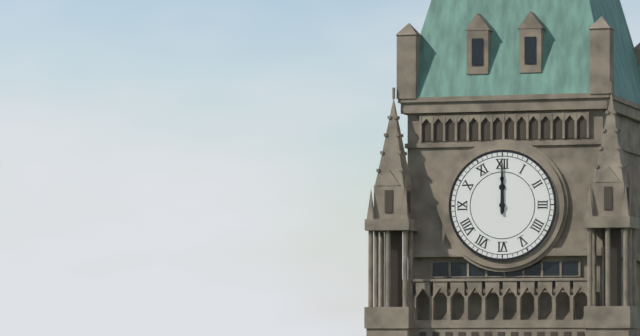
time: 12:00
